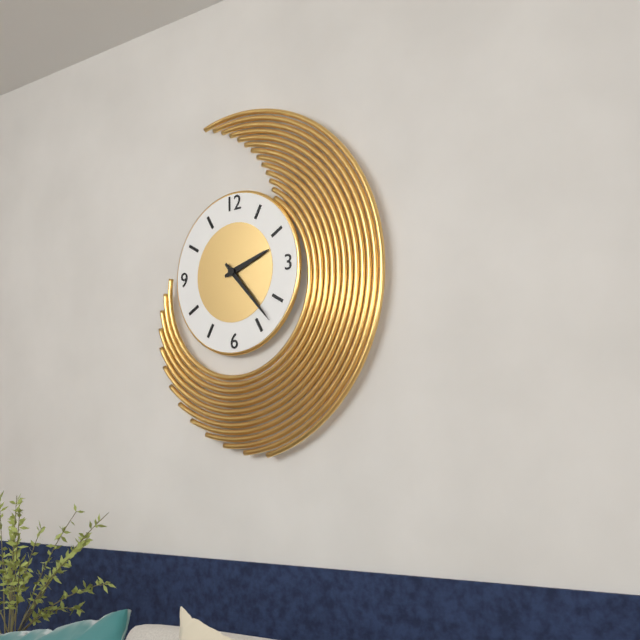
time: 2:23
